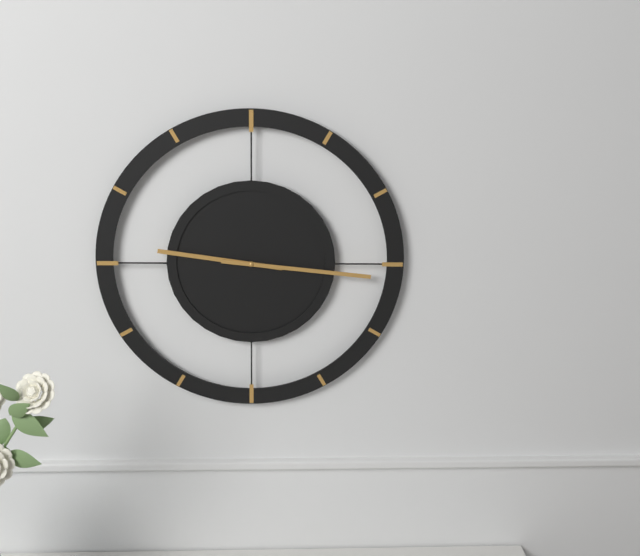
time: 9:16
